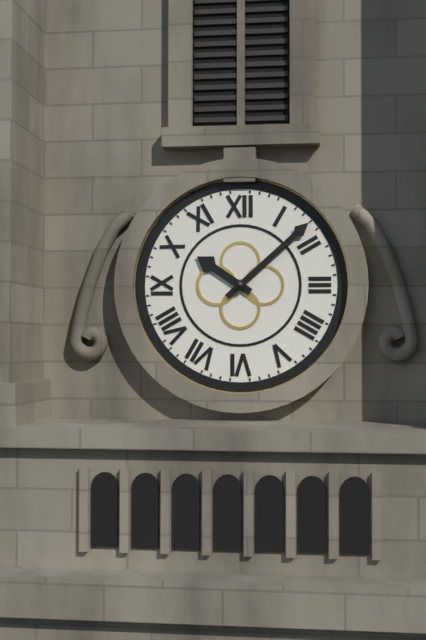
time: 10:08
